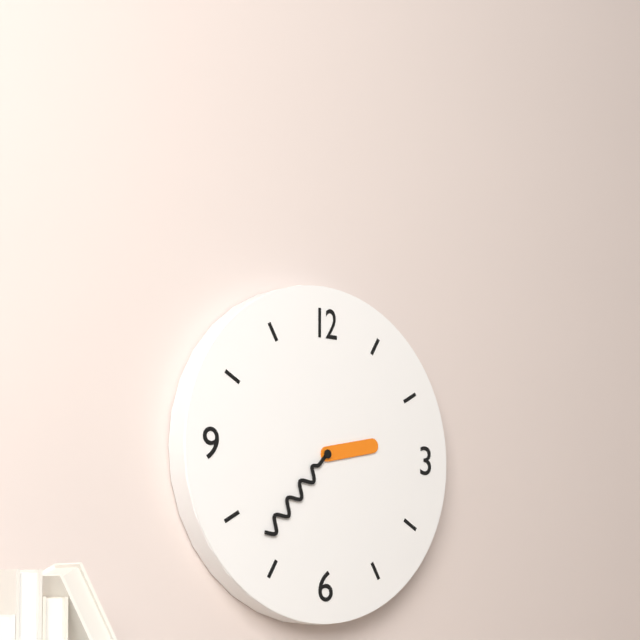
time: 2:37
